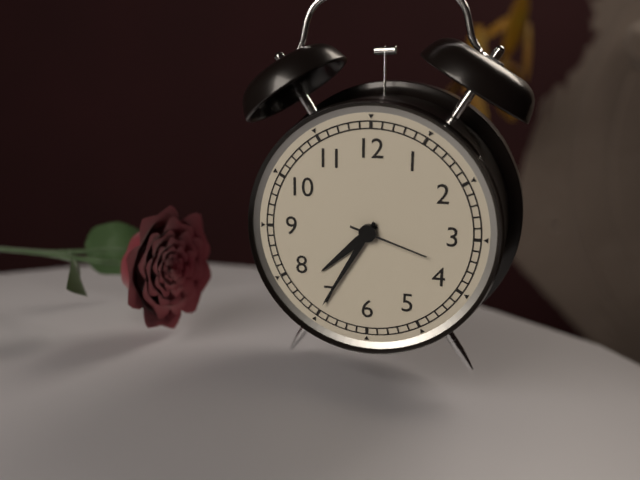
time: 7:35:18
